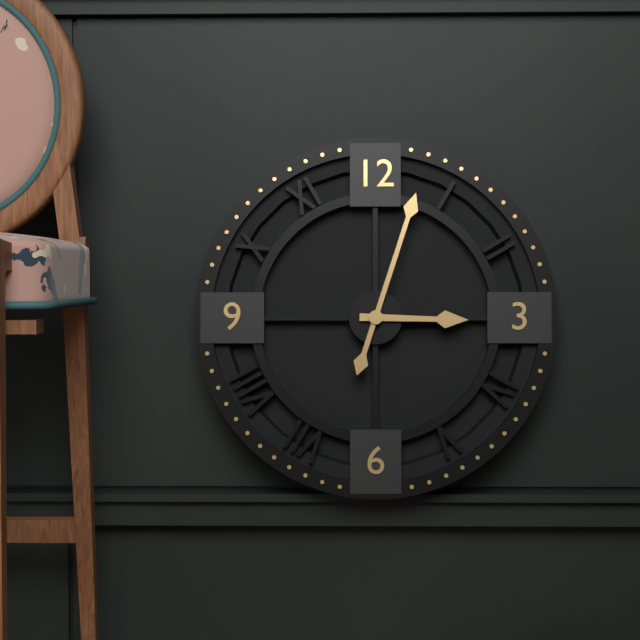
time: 3:03
